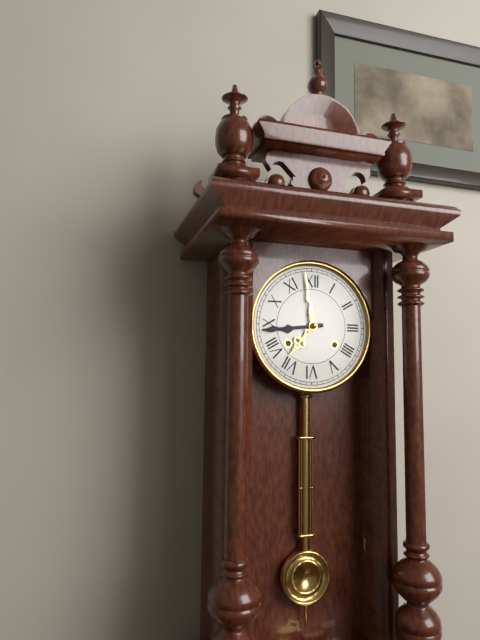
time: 8:44
